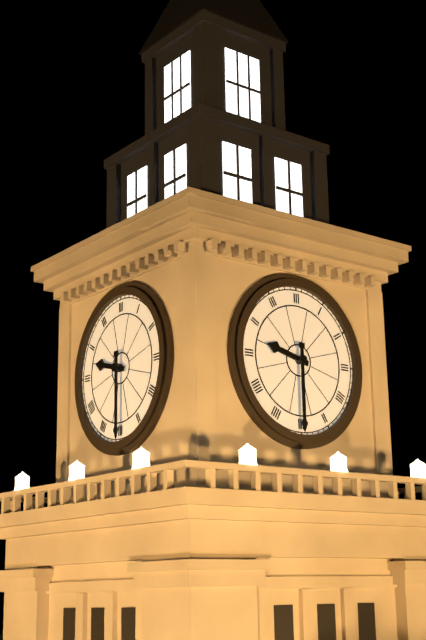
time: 9:30
